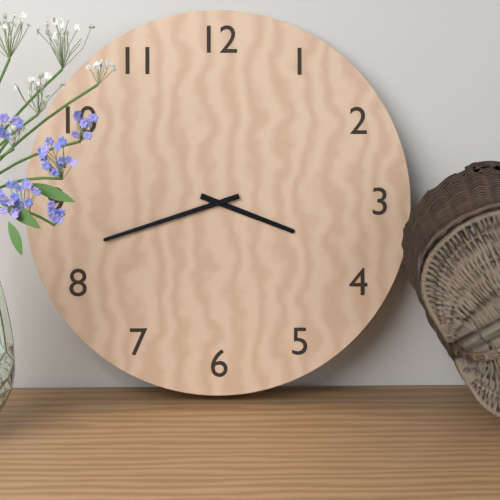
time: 3:42
